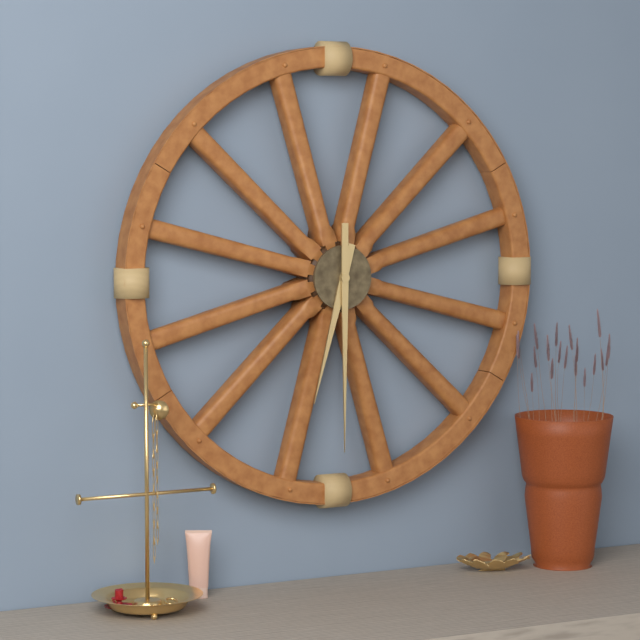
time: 6:30
